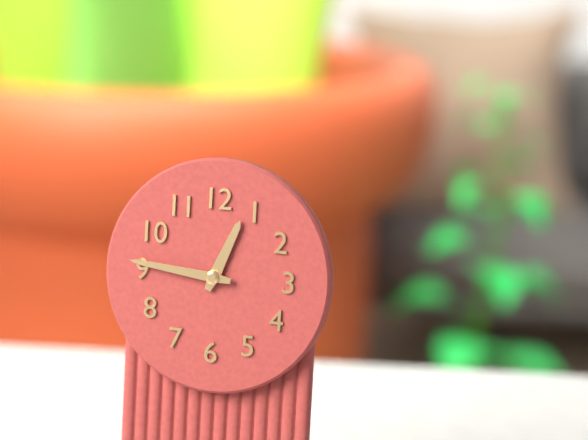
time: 12:46
